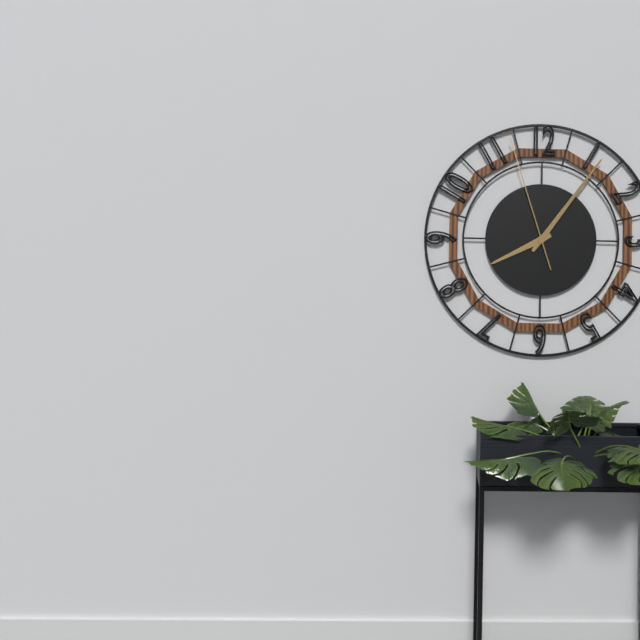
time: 8:06:57
